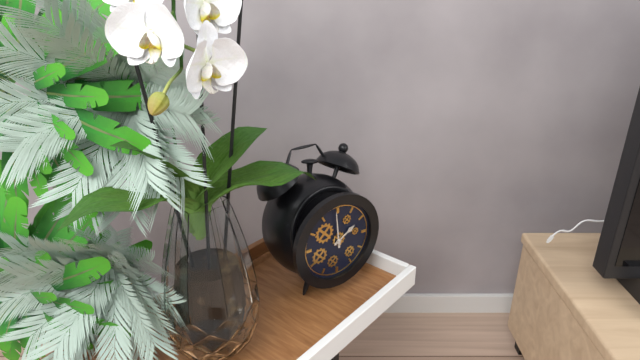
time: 1:59
